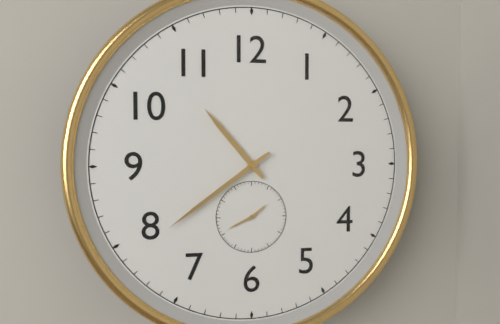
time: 10:39
